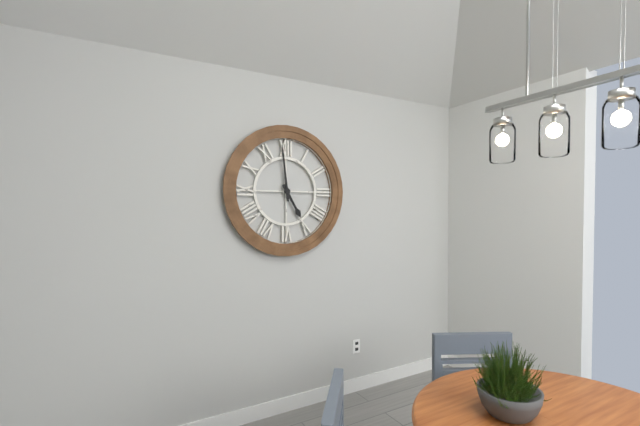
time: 4:59
